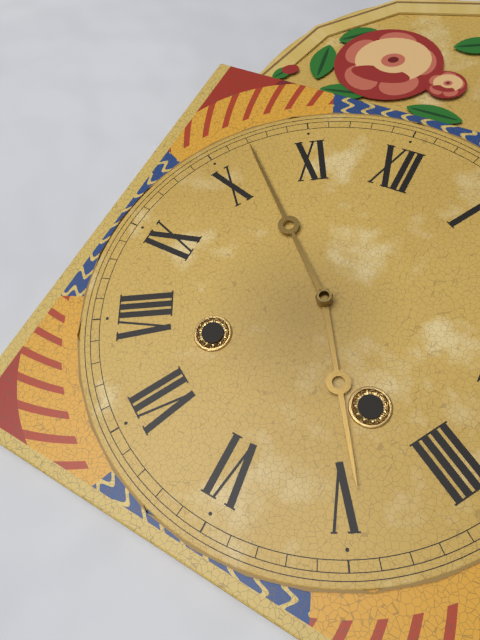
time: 4:52
